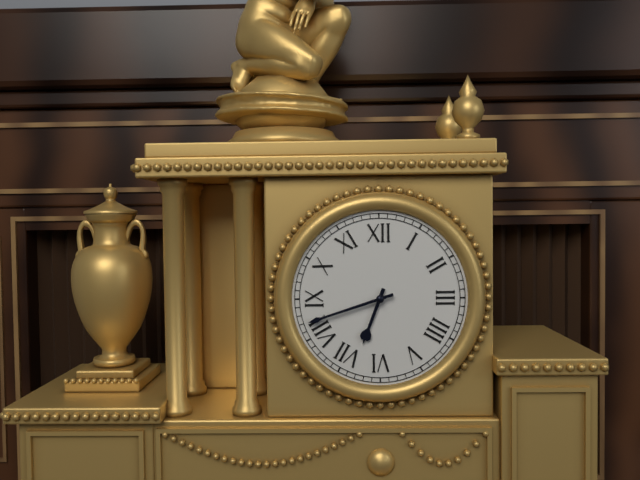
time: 6:42
